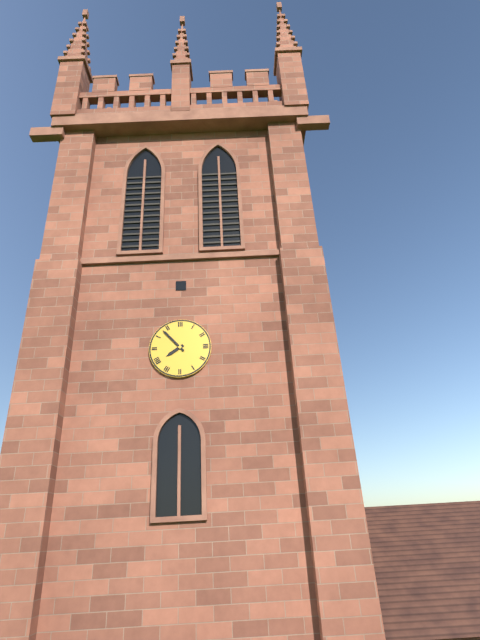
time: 7:53
